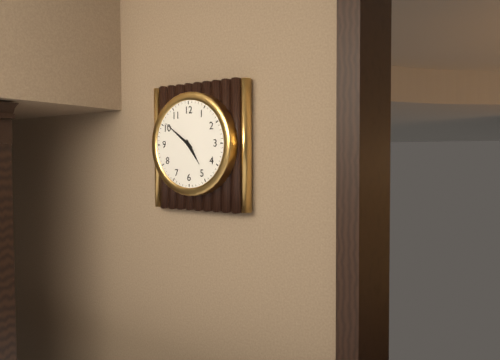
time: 4:51
